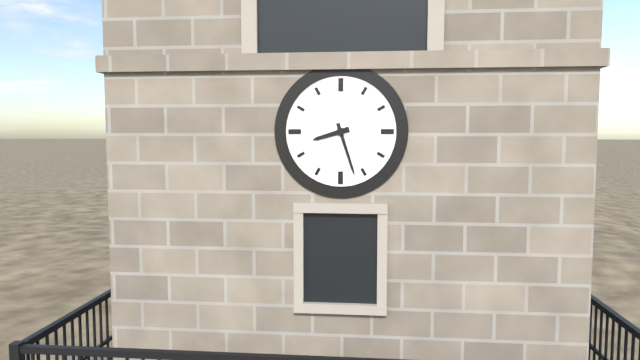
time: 8:27
